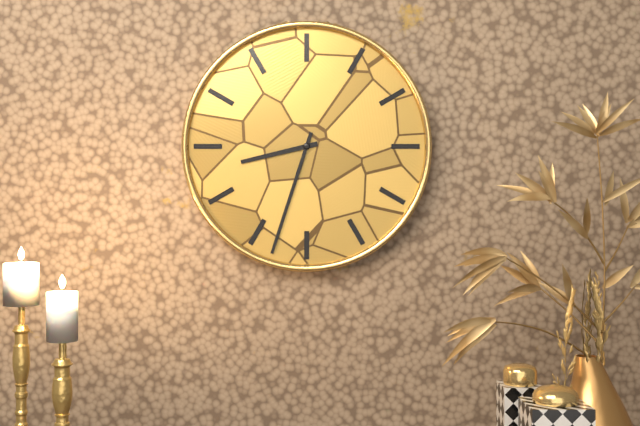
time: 8:33
